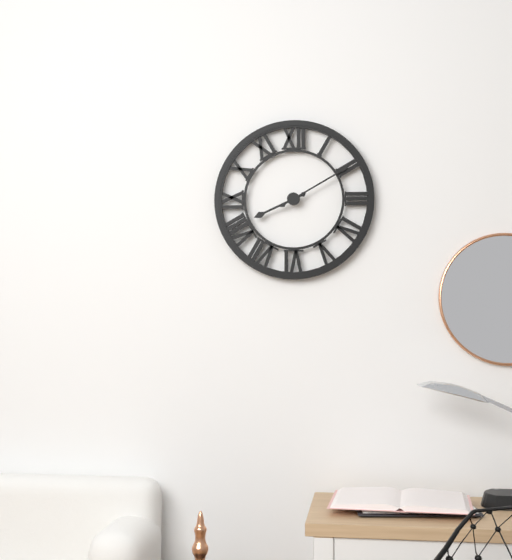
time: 8:10
